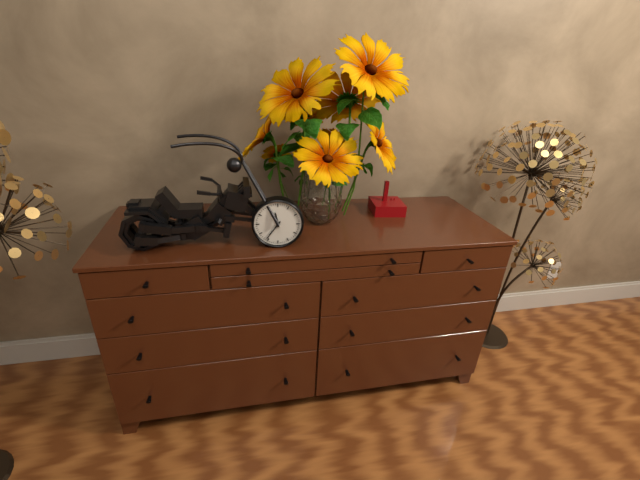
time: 11:36
